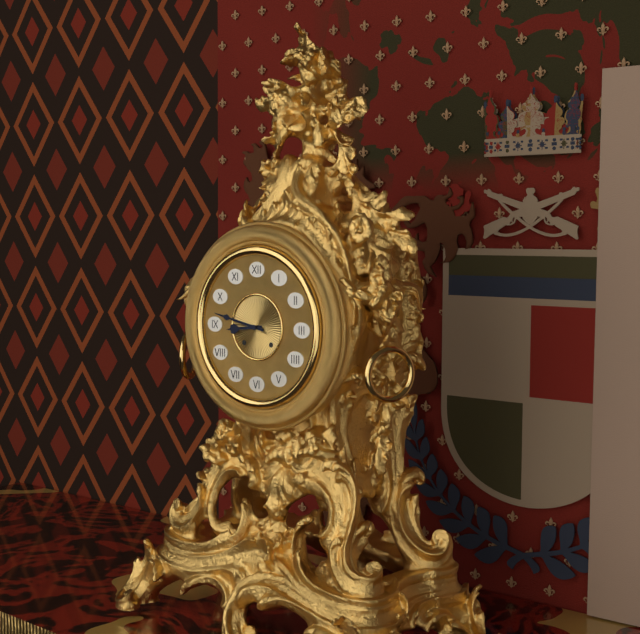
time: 8:47
